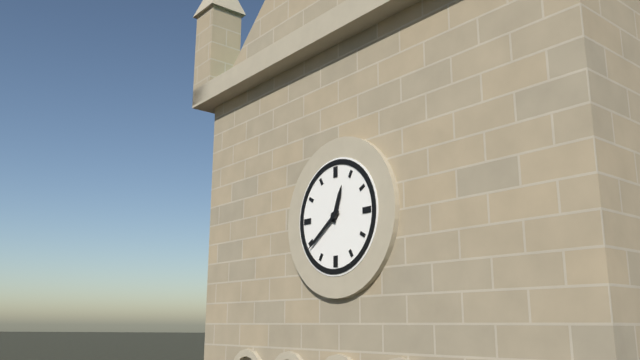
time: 12:39
